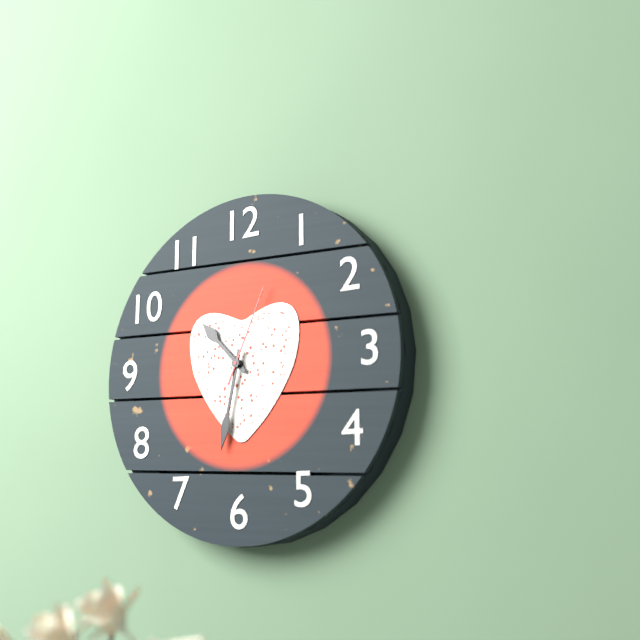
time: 10:32:04
